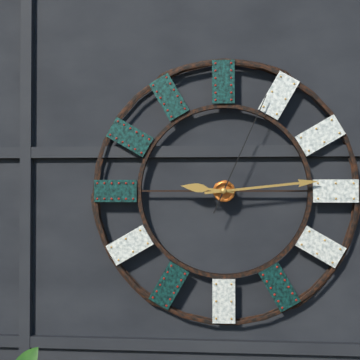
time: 9:14:04
